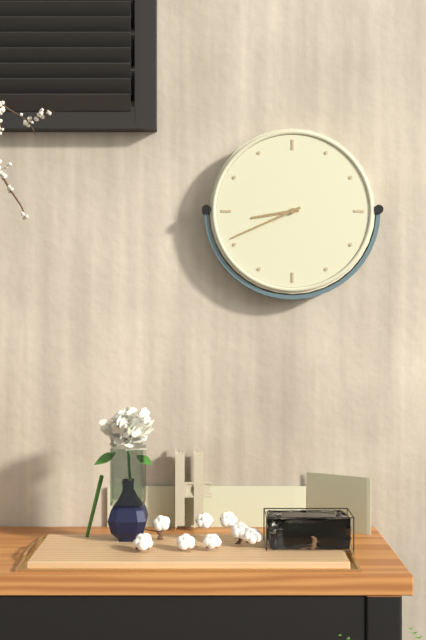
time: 8:41
